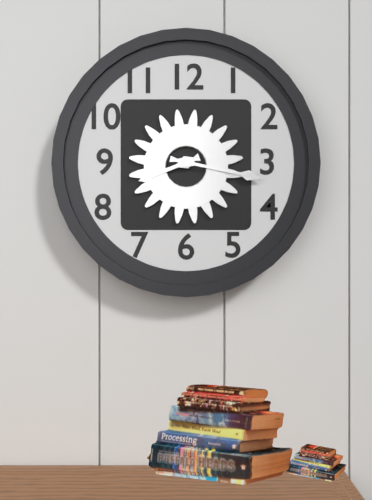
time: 8:17
